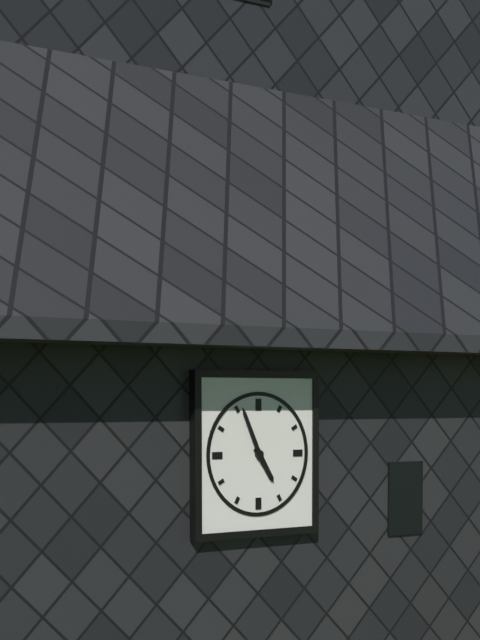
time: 4:56
